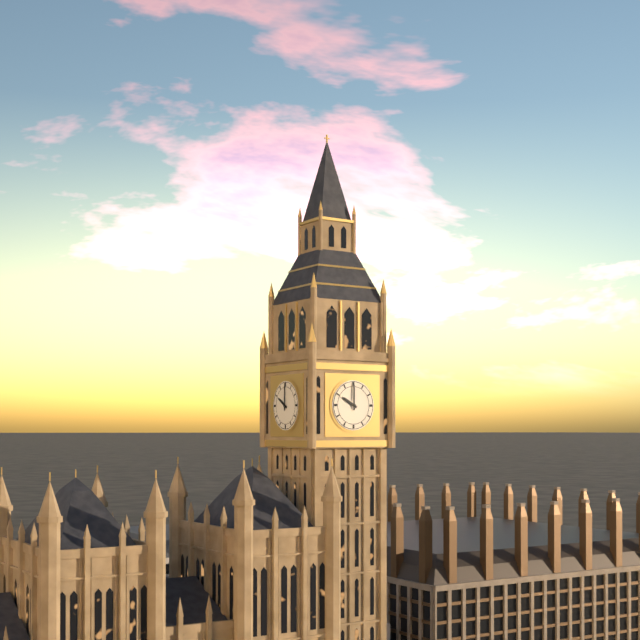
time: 10:00
